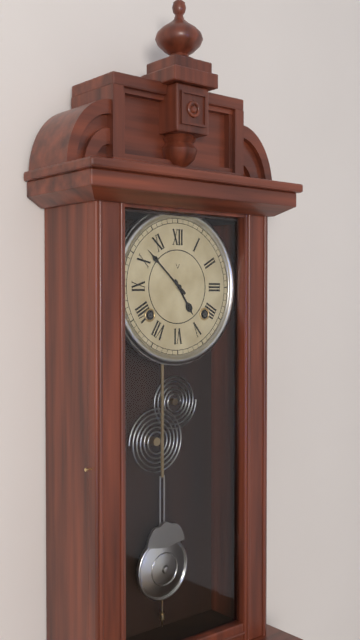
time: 4:52
